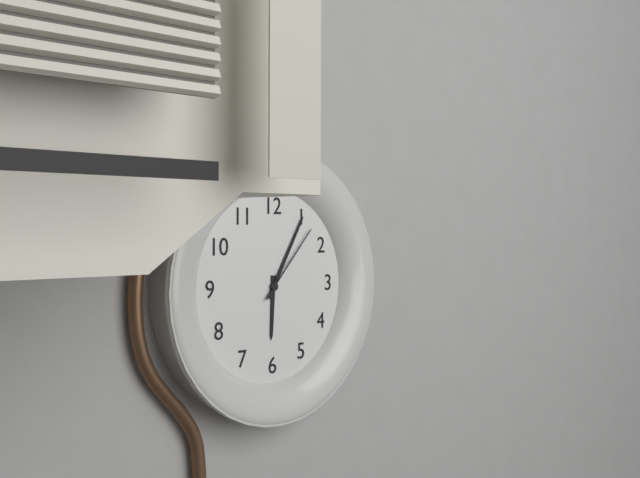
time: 6:05:07
